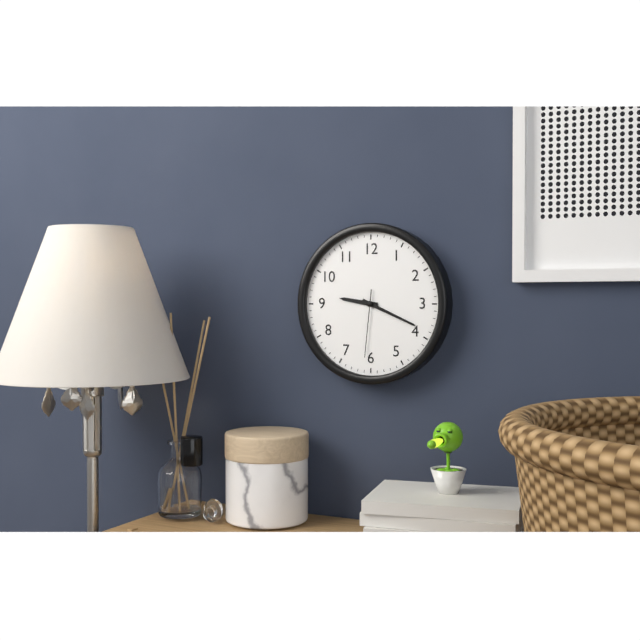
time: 9:19:31
